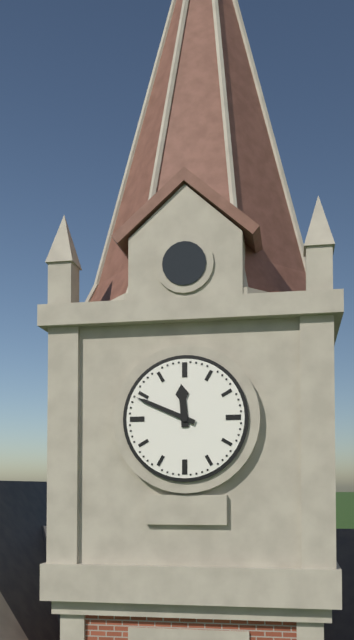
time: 11:49
